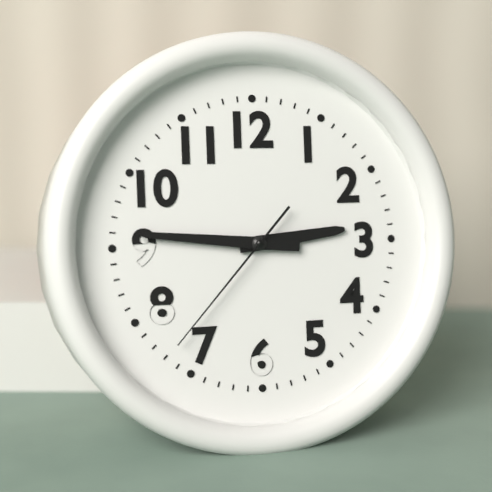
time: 2:46:37
